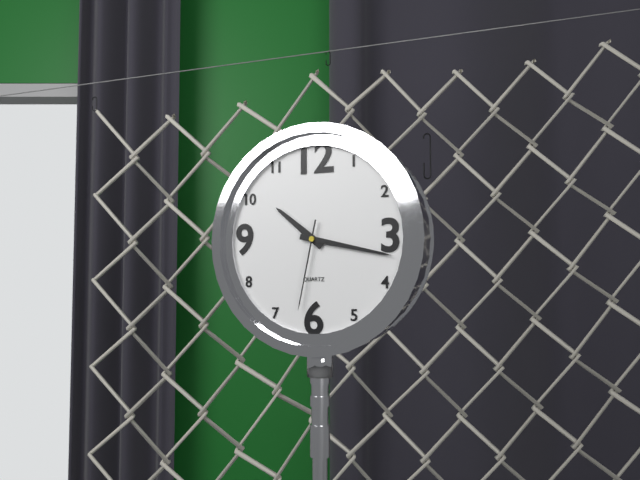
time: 10:17:32
